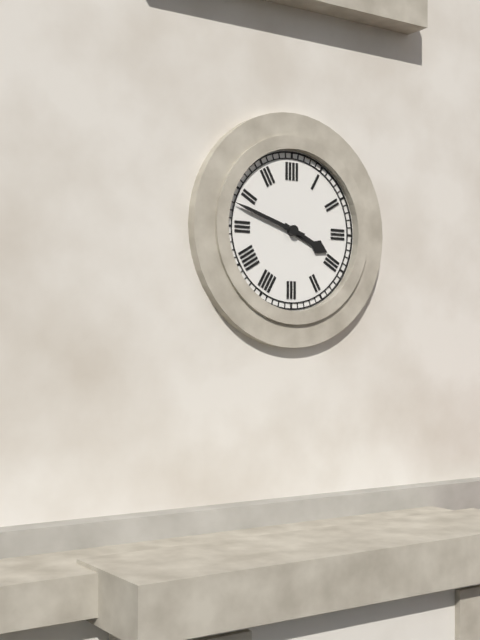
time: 3:48
